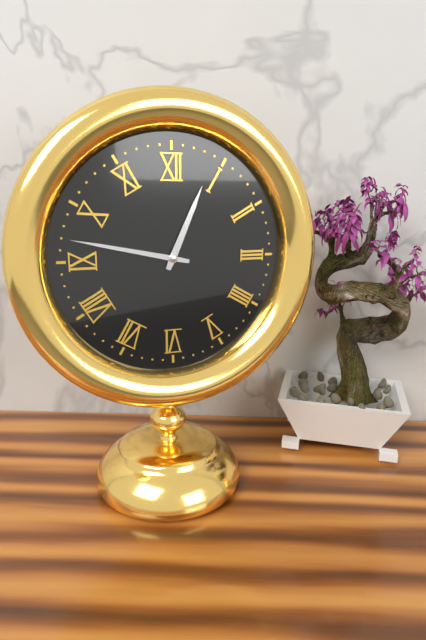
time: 12:47
